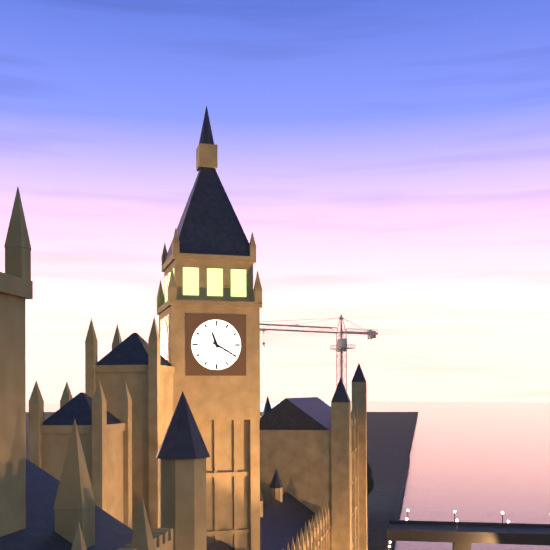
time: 11:20
